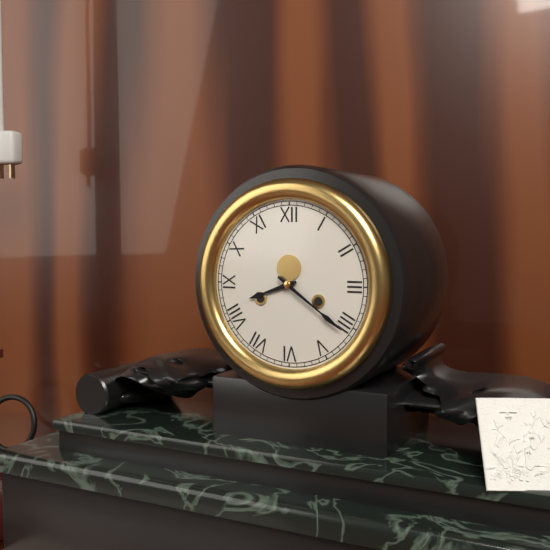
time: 8:21
